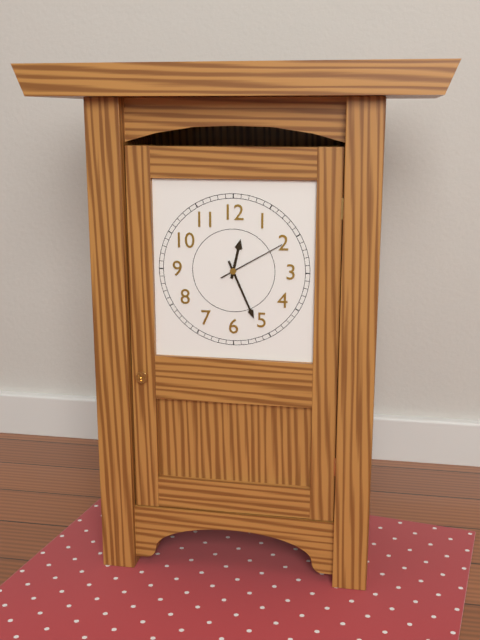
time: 12:26:10
